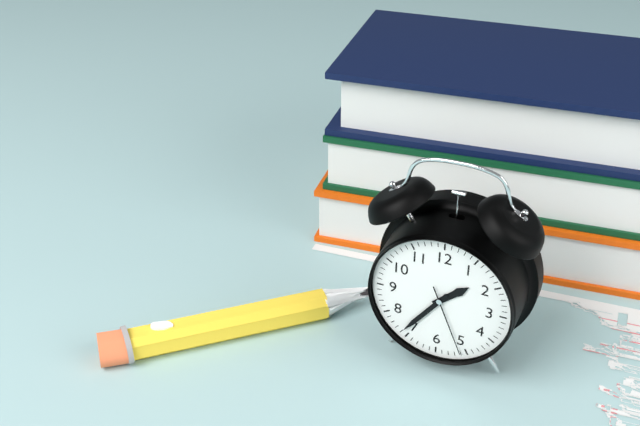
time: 1:36:26
